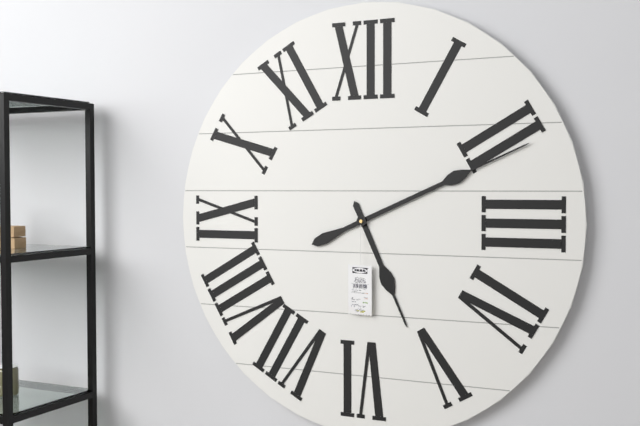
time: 5:11
